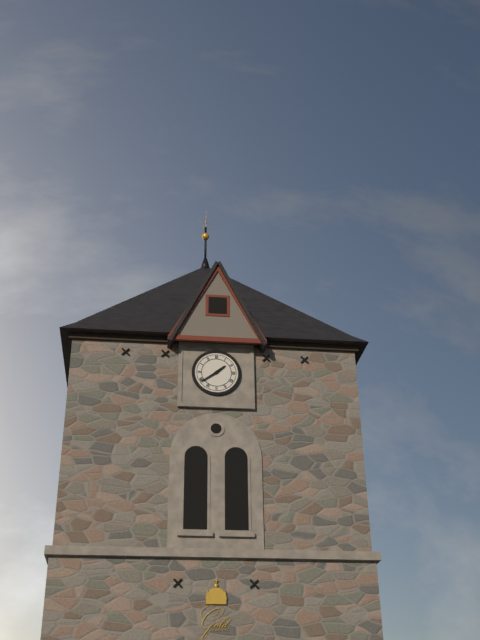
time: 1:39
